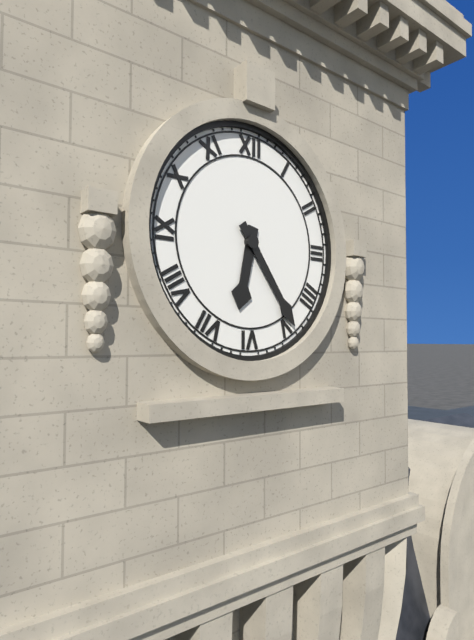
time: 6:24
